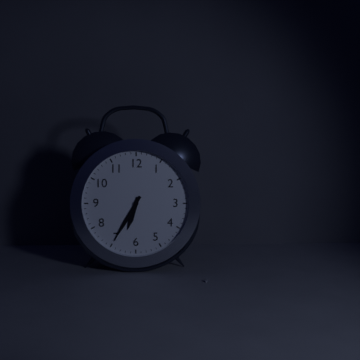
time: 6:35
